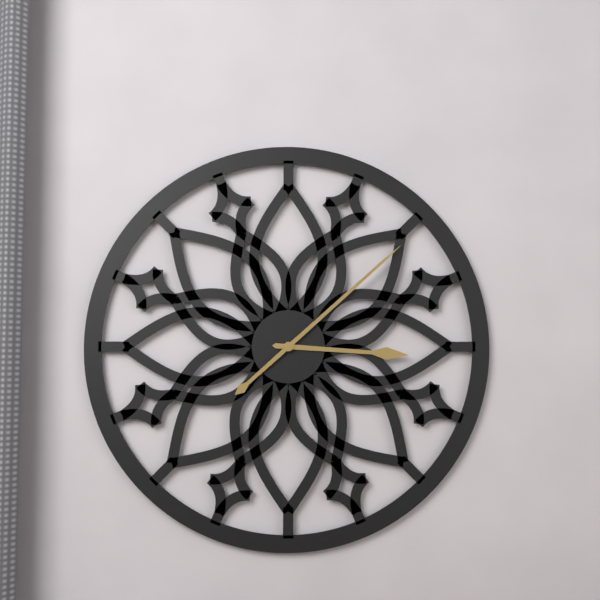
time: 3:08
